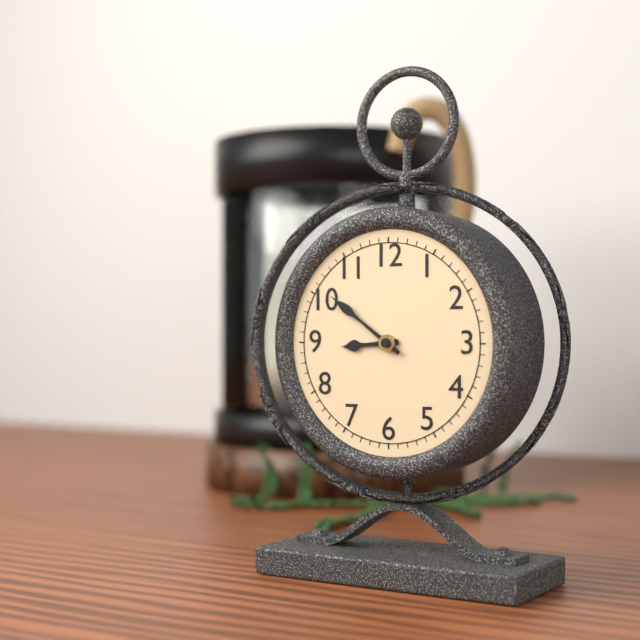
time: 8:51
